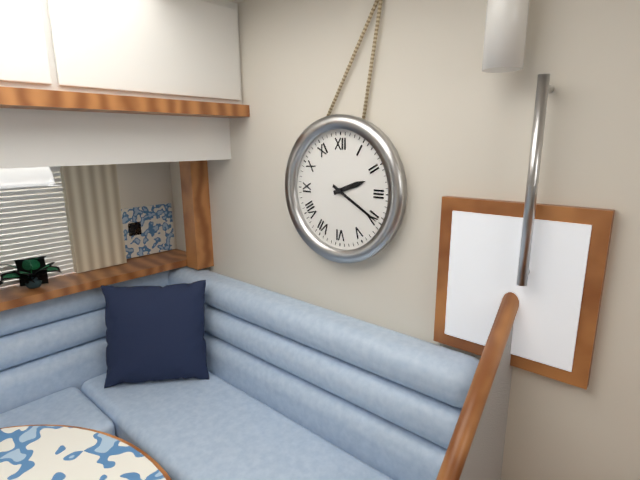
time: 2:20
